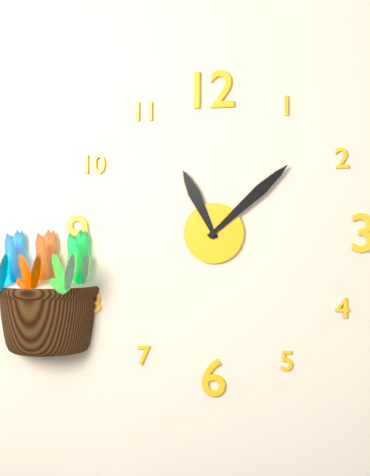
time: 11:08
